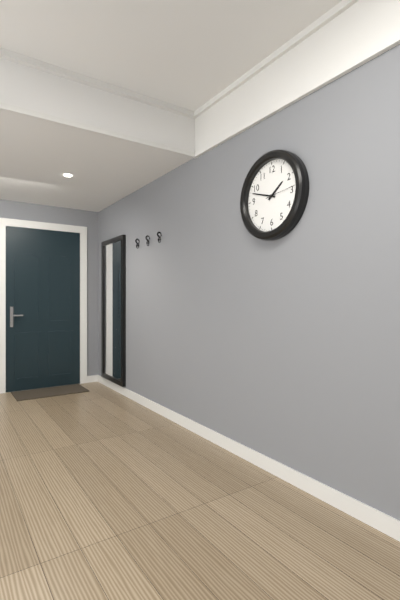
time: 1:48
